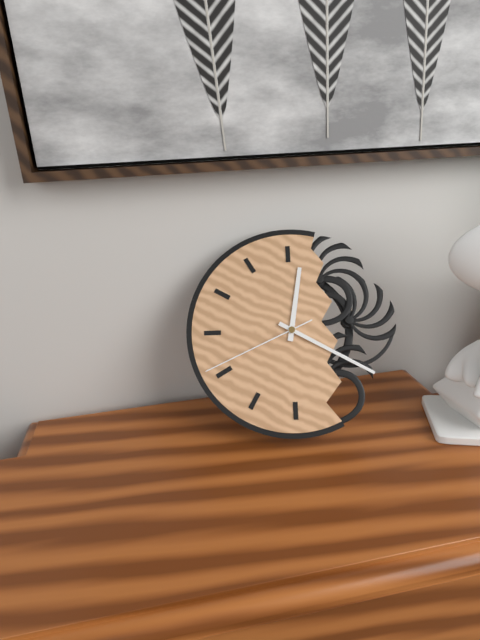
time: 12:20:41
